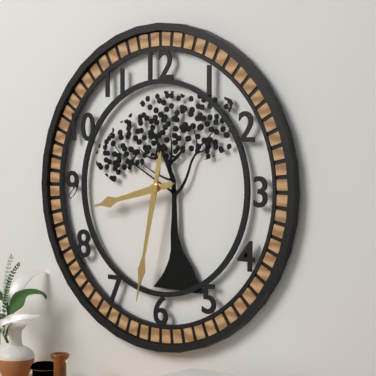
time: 8:32
